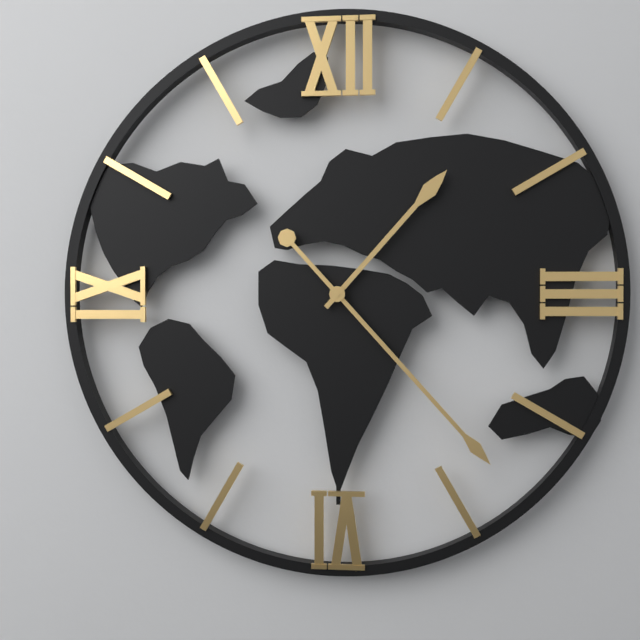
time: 1:23
